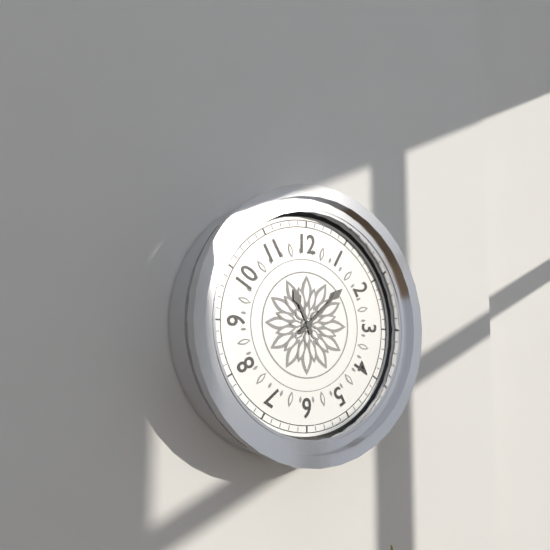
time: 11:08
